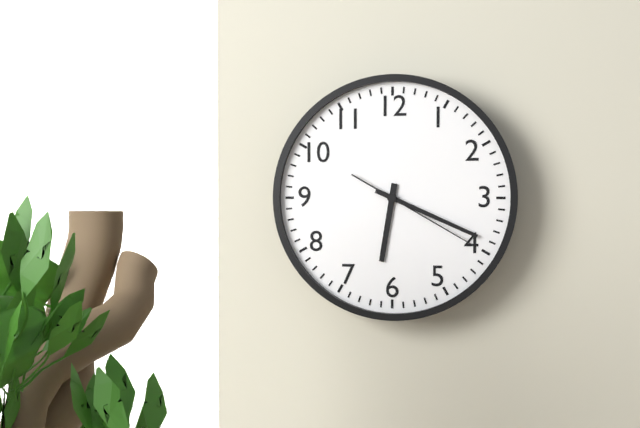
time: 6:19:20
